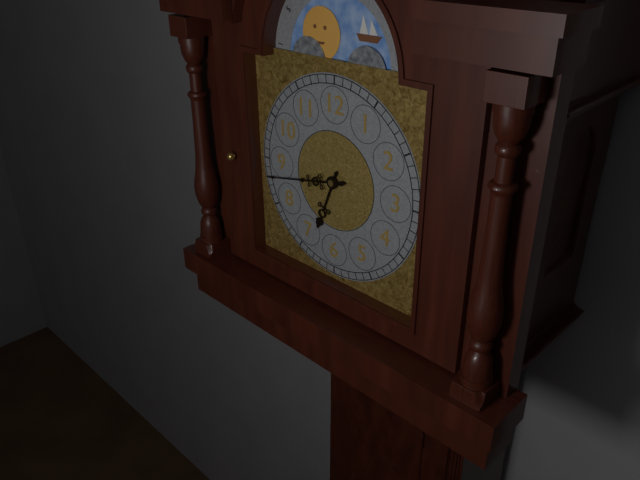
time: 6:43
